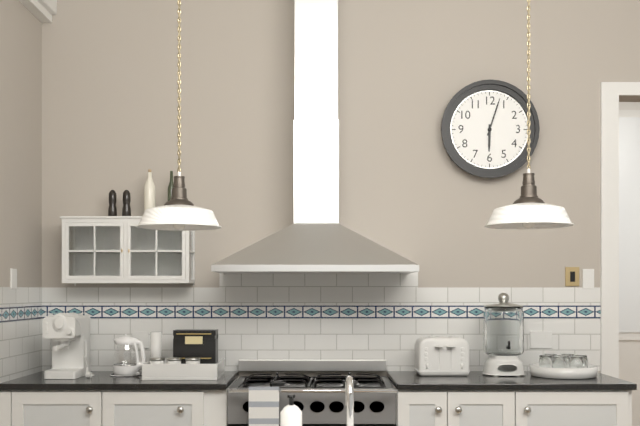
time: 6:03
